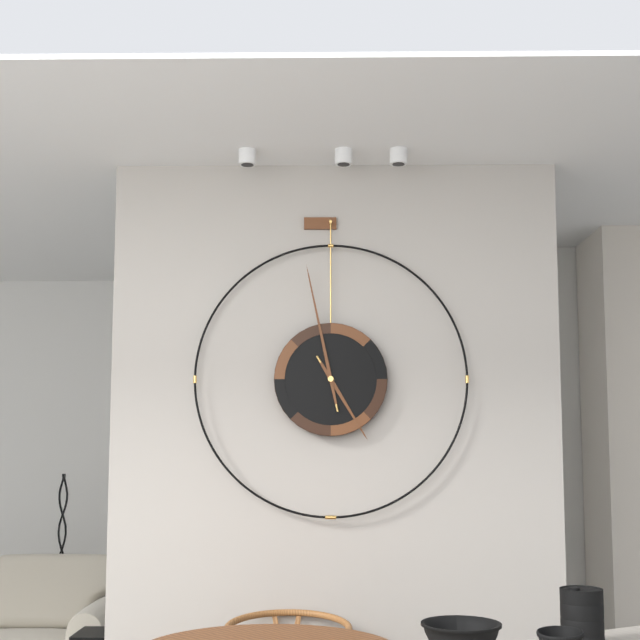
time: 4:58
